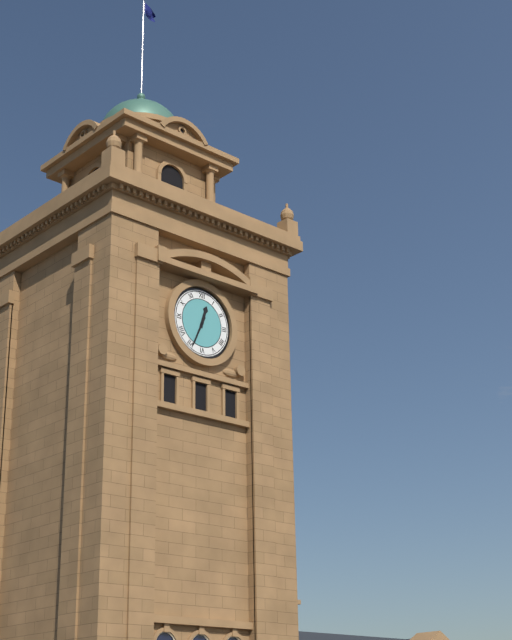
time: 12:34
